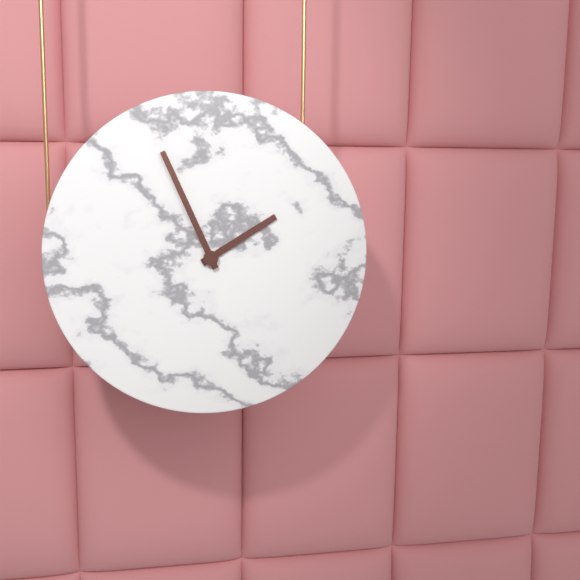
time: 1:56
